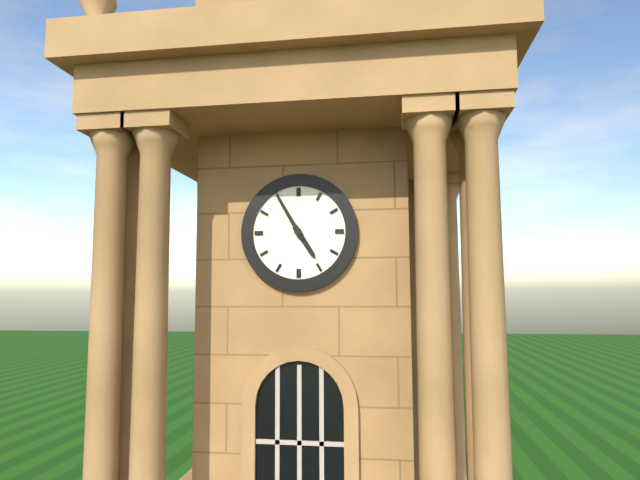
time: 4:55
